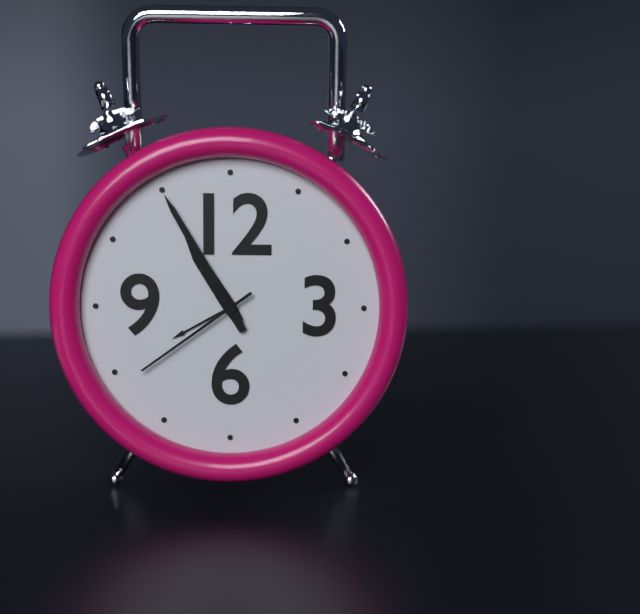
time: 10:55:39
